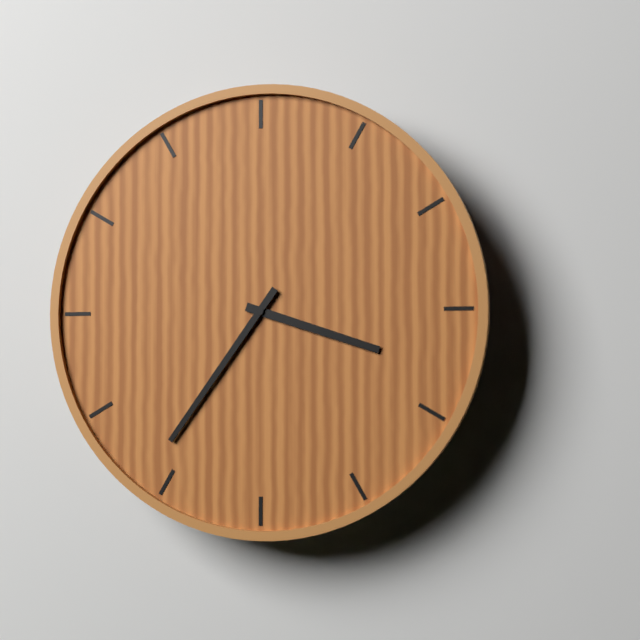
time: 3:36
